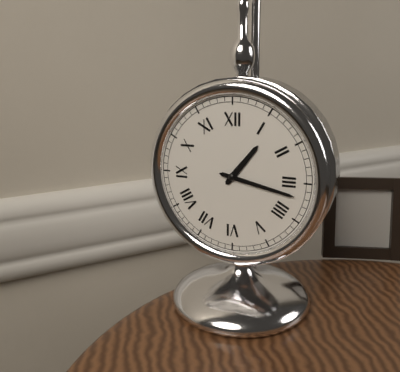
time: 1:17
